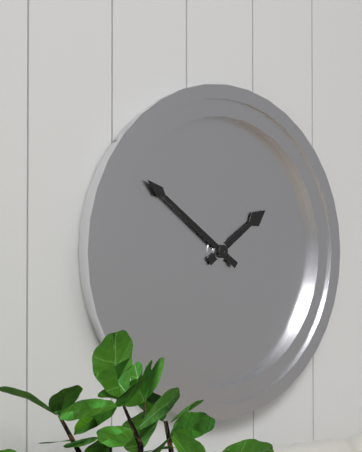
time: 1:51
